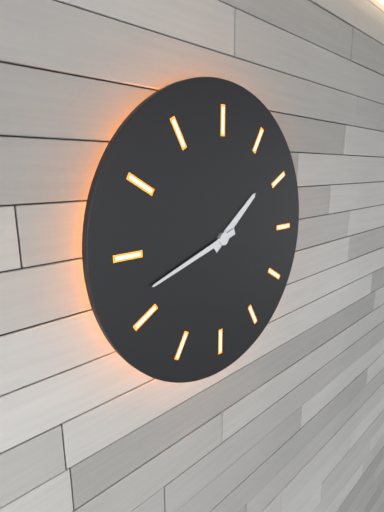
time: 1:42
